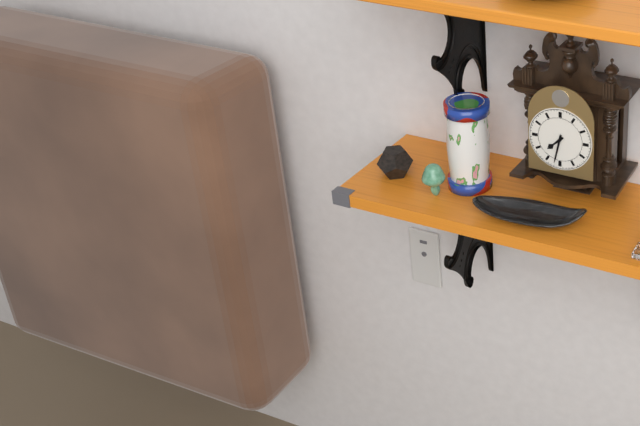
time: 7:32
